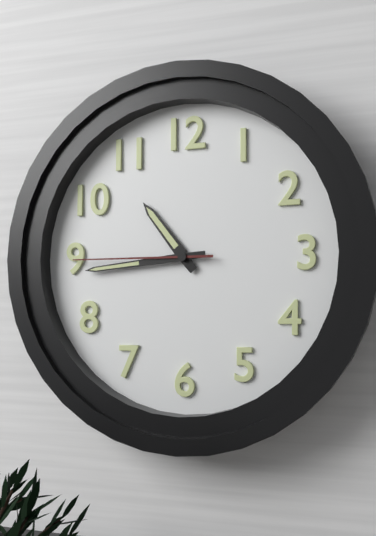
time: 10:44:45
